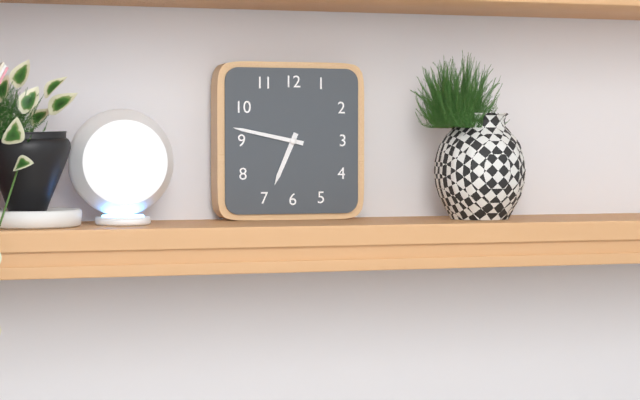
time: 6:47
